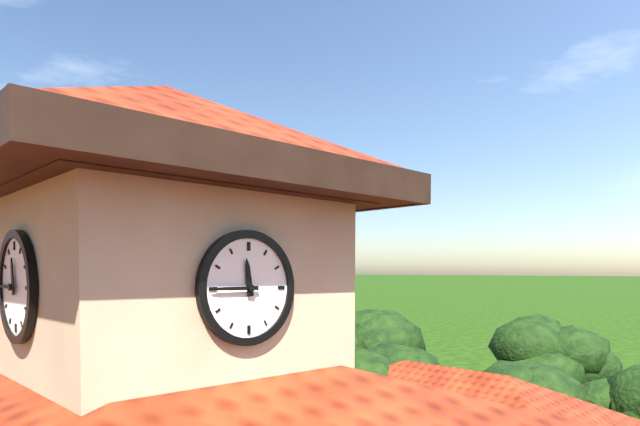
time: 11:45
